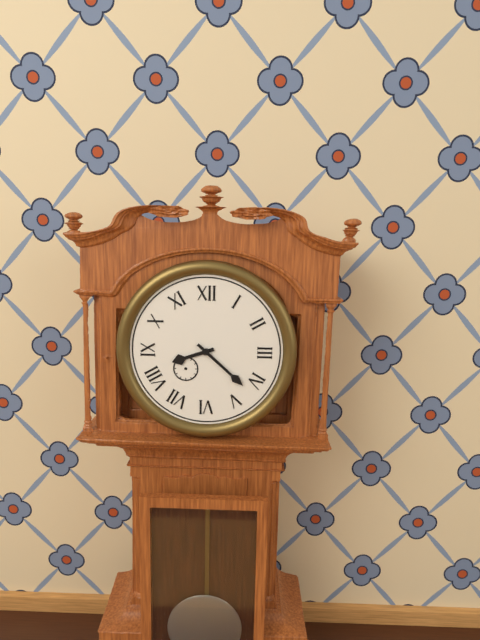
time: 8:22
